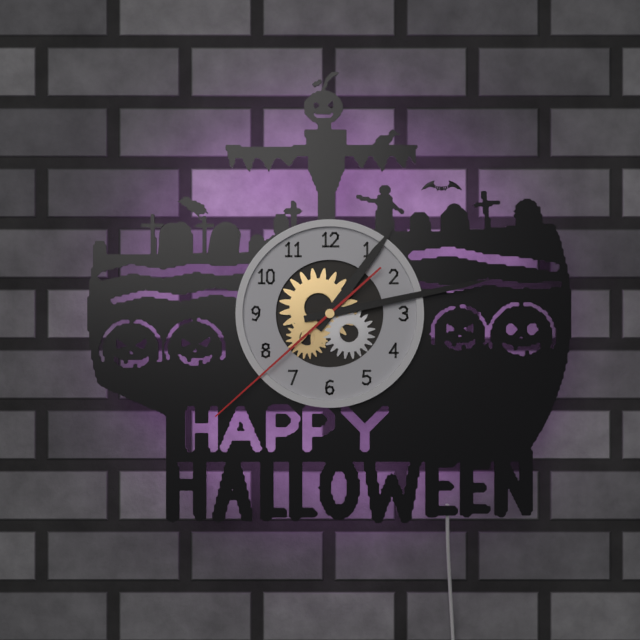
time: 1:13:38
